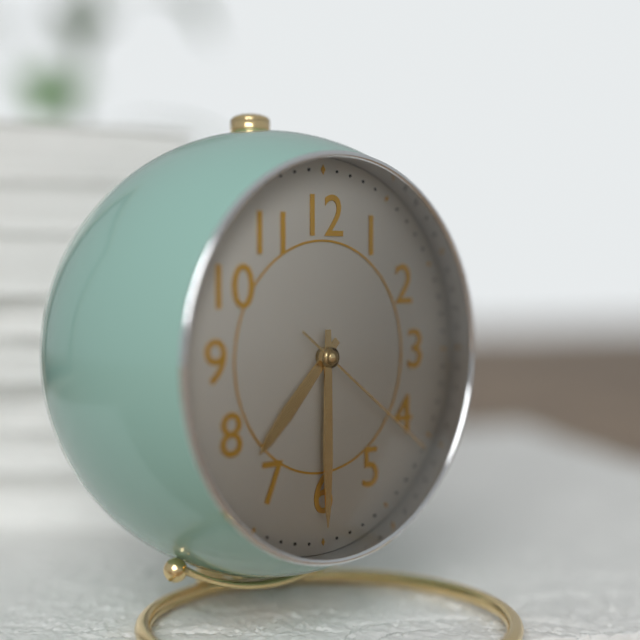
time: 7:30:21
